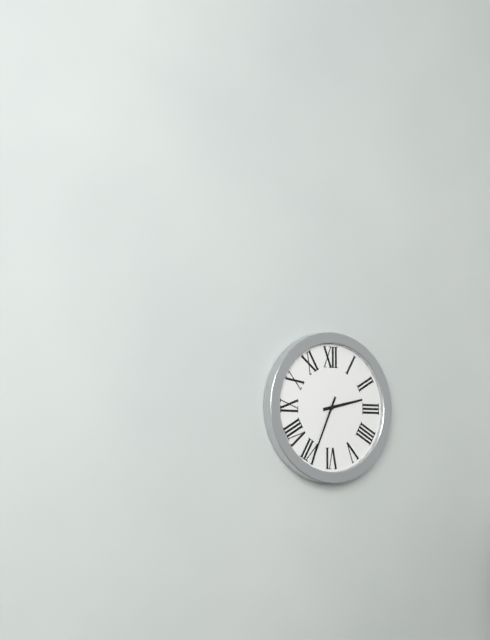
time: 2:34
